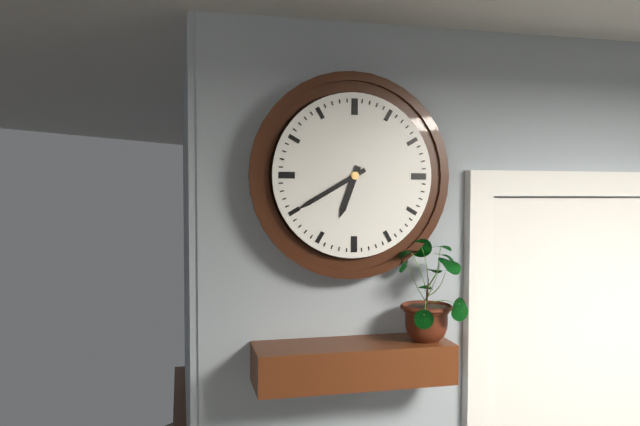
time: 6:40
